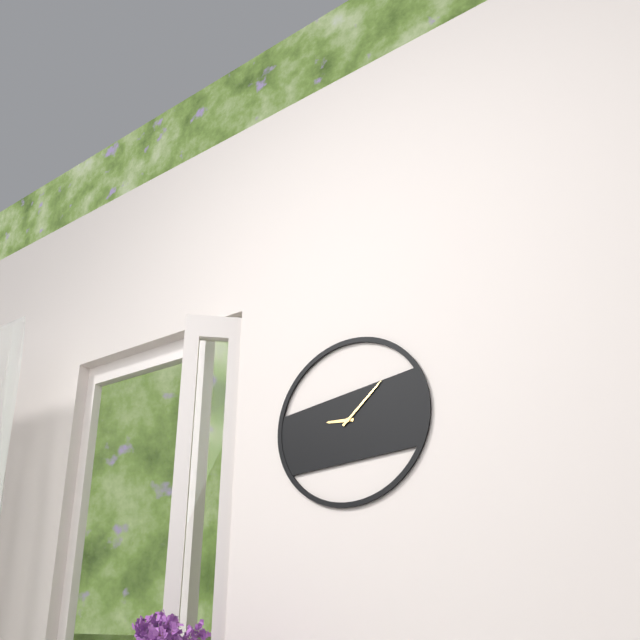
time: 9:08
